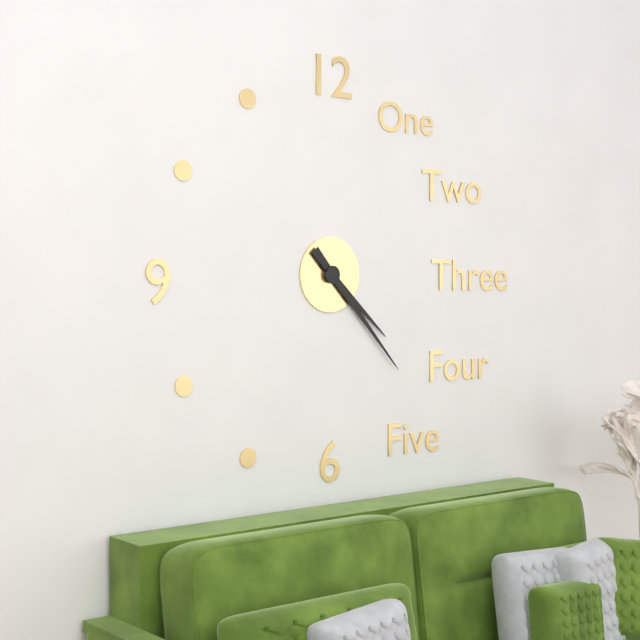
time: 4:23
